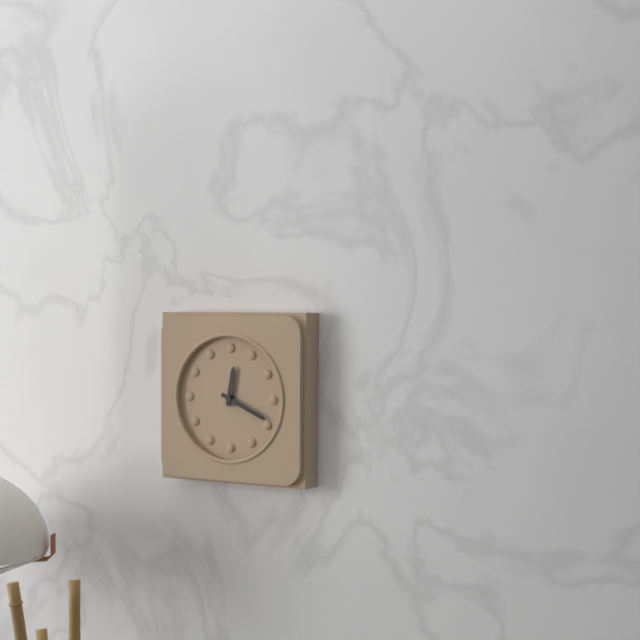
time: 12:19
